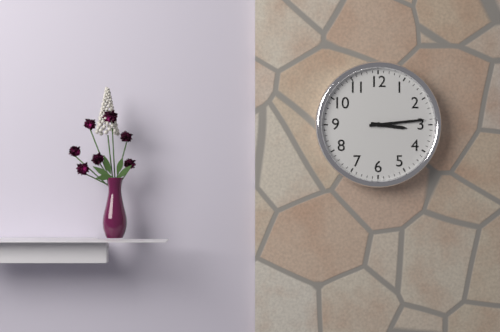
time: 3:14
